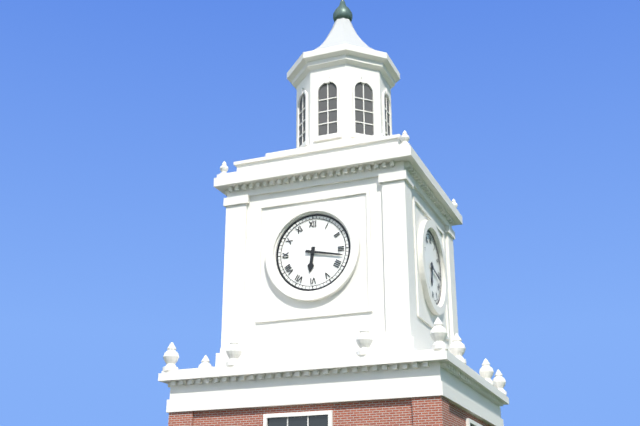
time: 6:17
